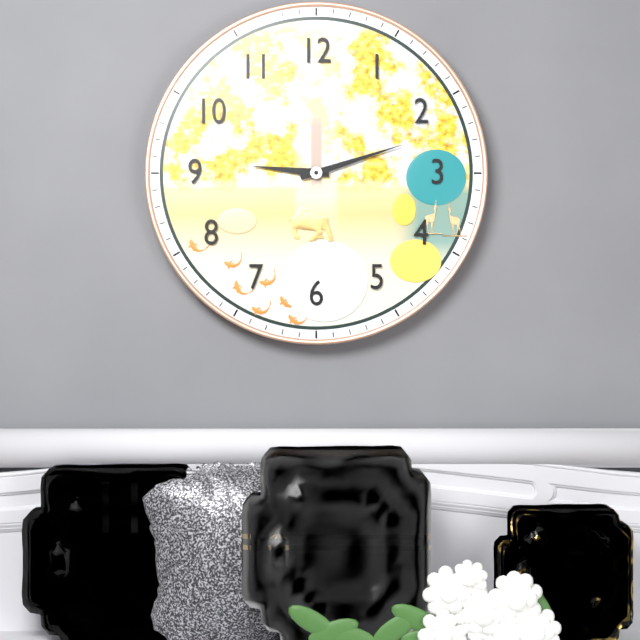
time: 9:12
